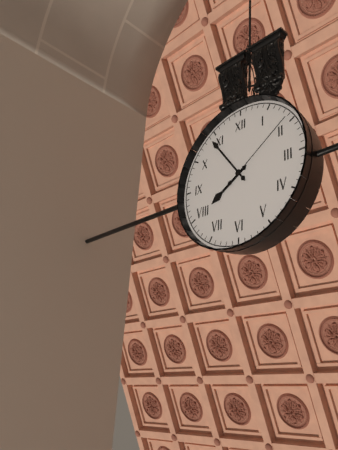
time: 7:54:09
